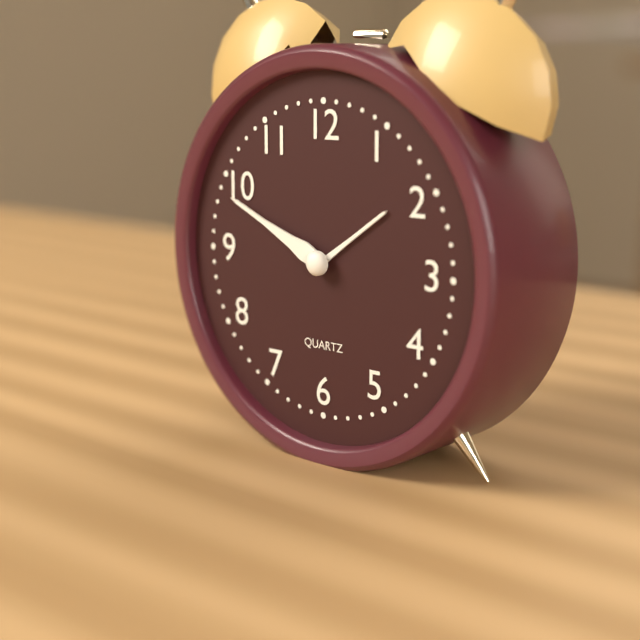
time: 1:49
